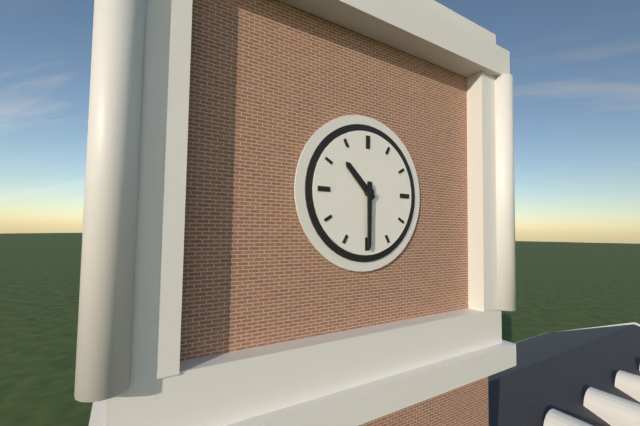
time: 10:30
